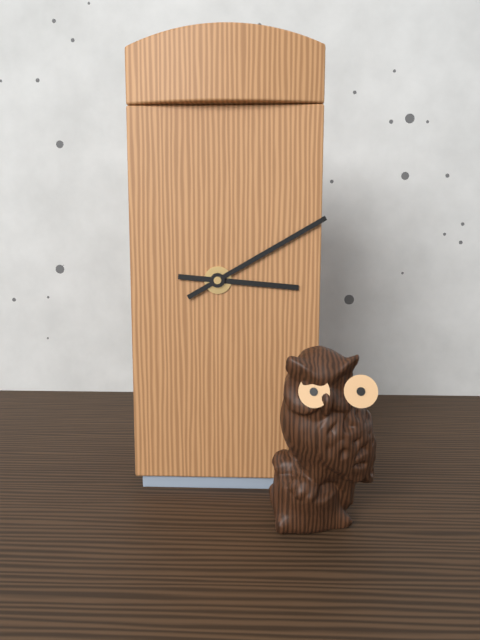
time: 3:10
